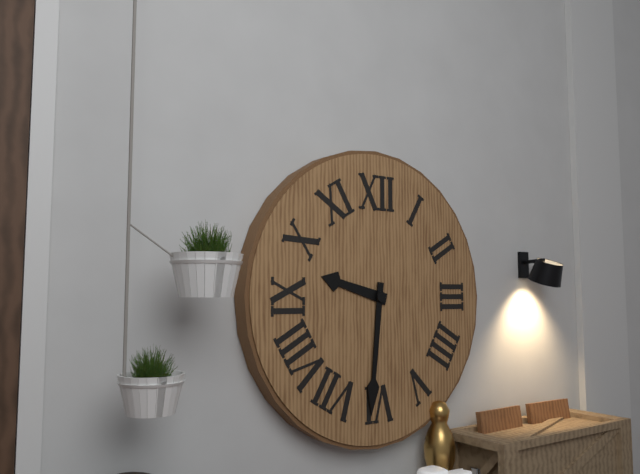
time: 9:31
